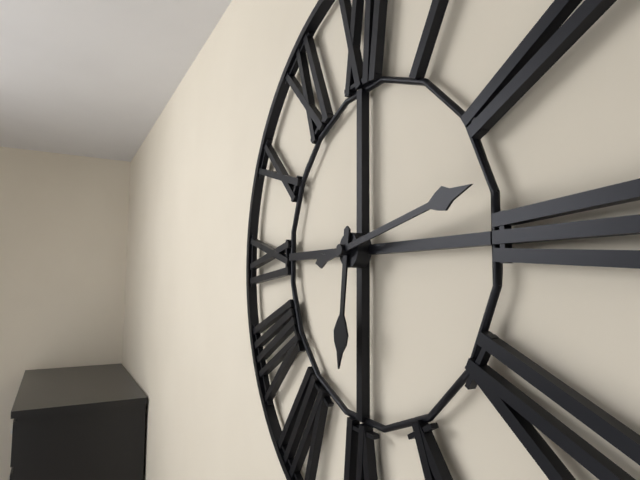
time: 6:13
